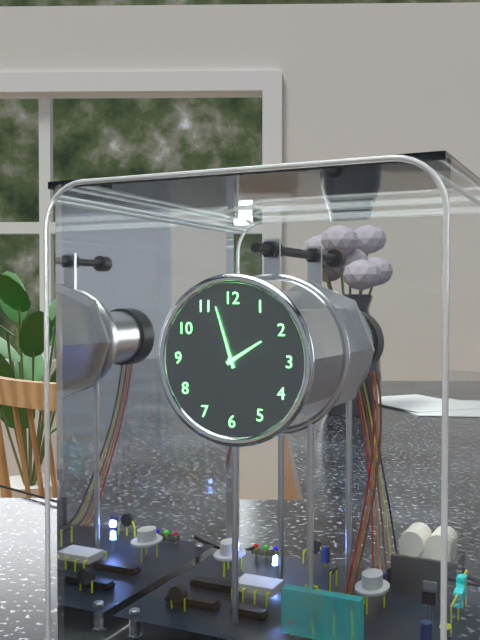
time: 1:57
